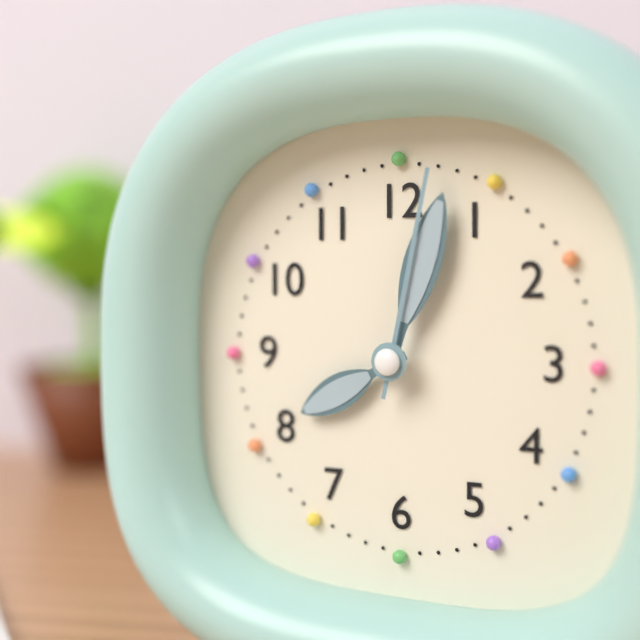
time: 8:03:02
